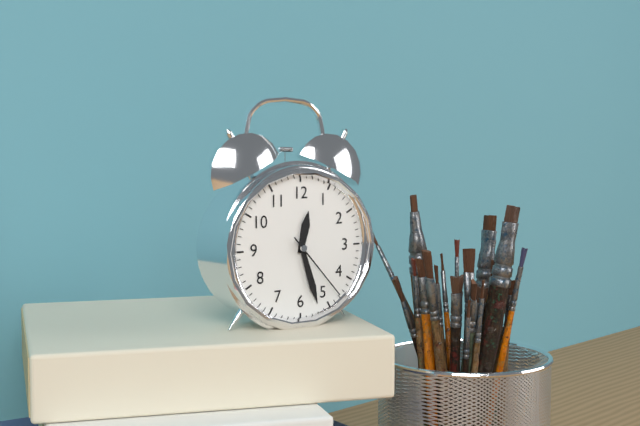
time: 12:27:23
